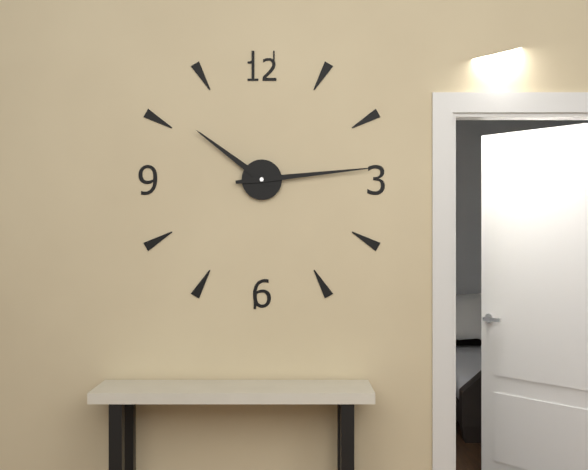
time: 10:14
